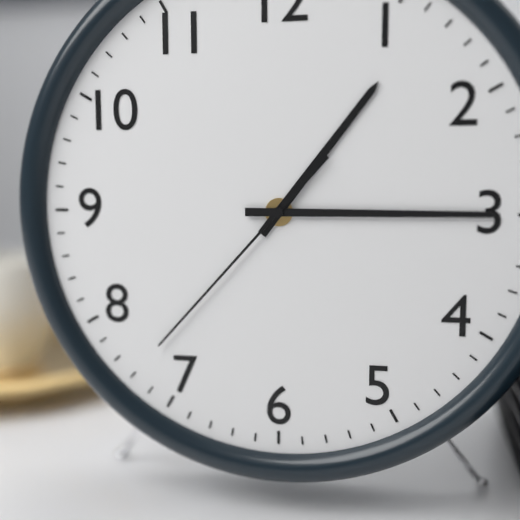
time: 1:15:37
